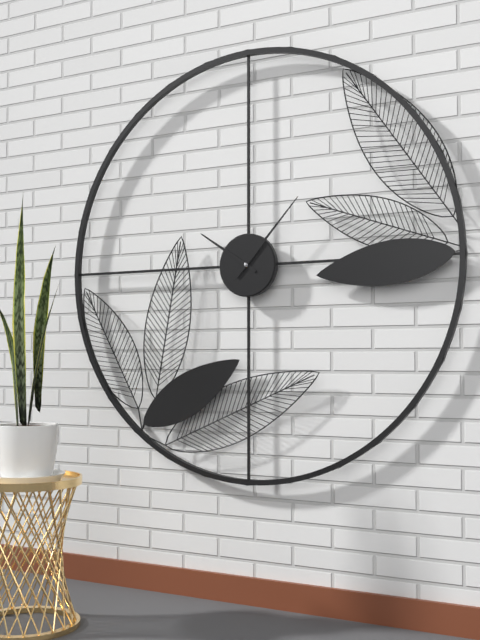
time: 10:07
